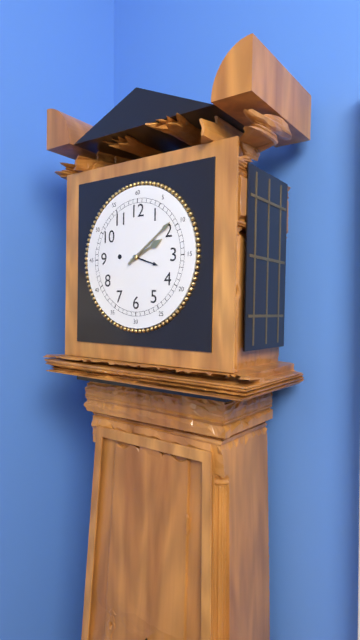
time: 2:09
